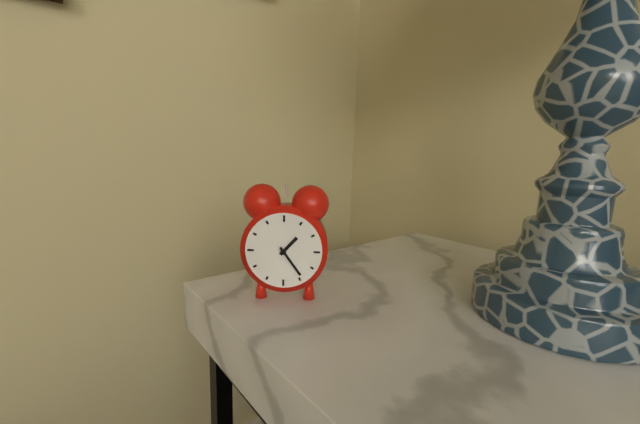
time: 1:24
